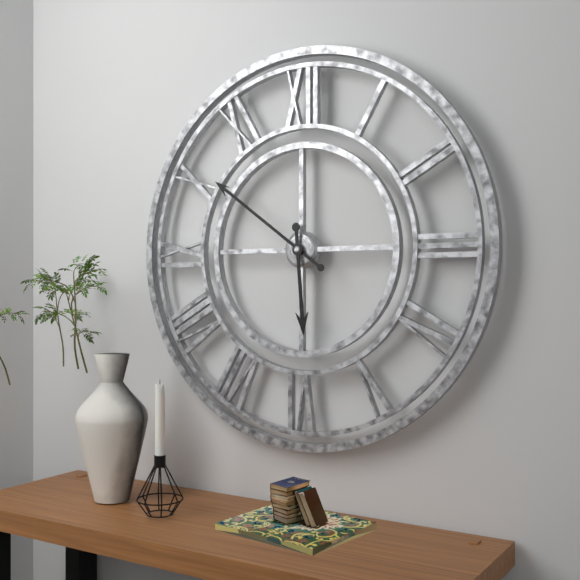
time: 5:51
